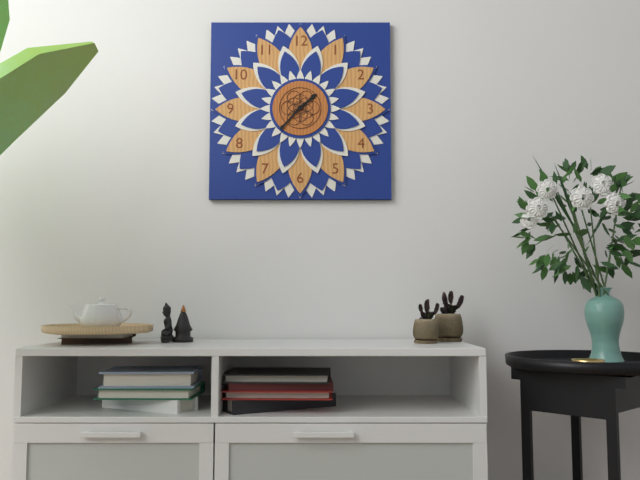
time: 1:37
